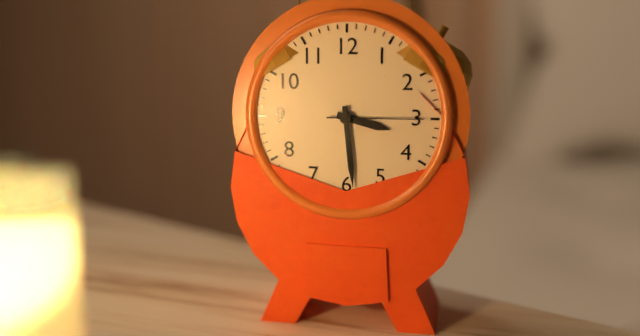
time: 3:29:15
